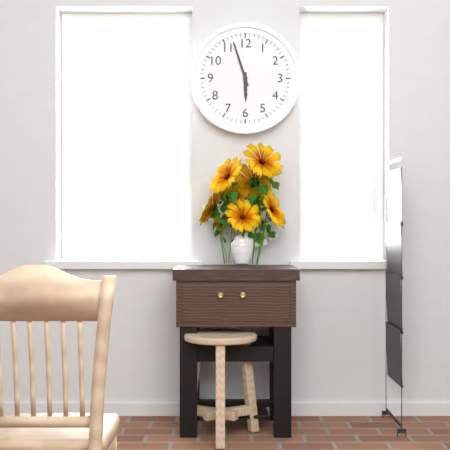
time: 5:57
